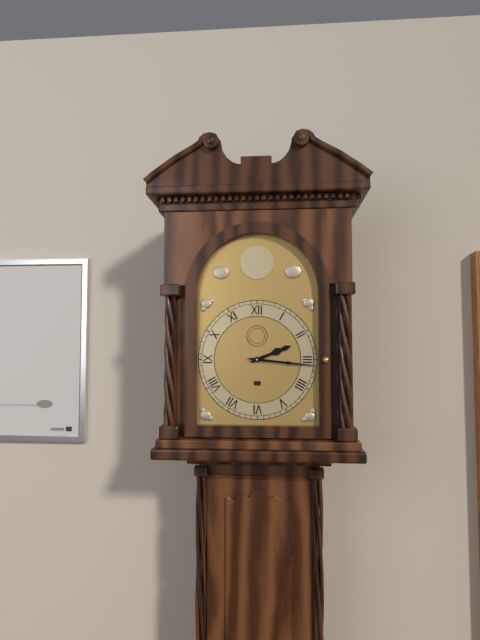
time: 2:16
